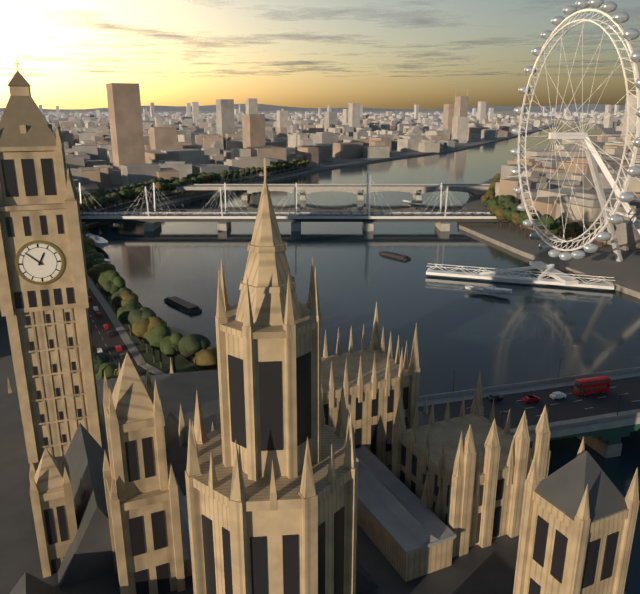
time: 12:52
